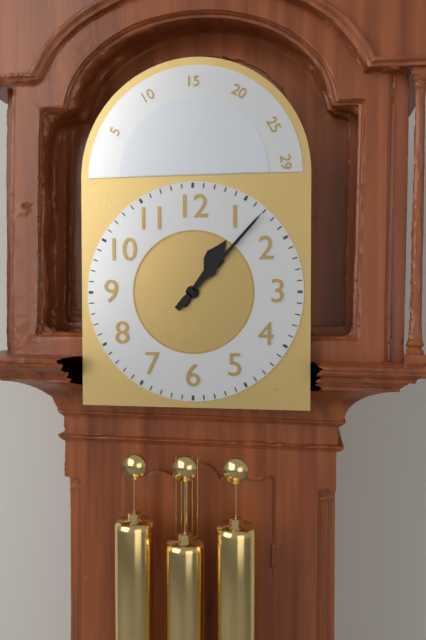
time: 1:07
